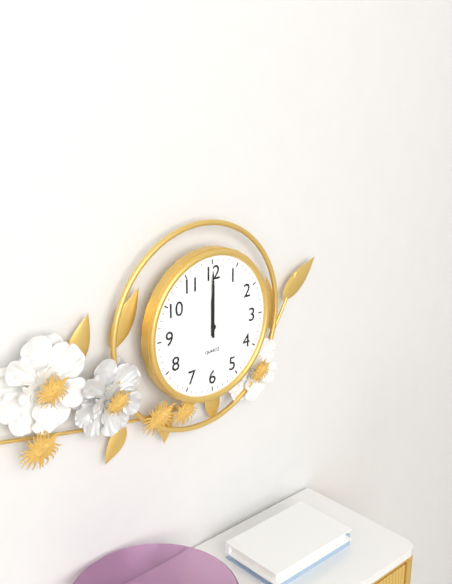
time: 12:00
